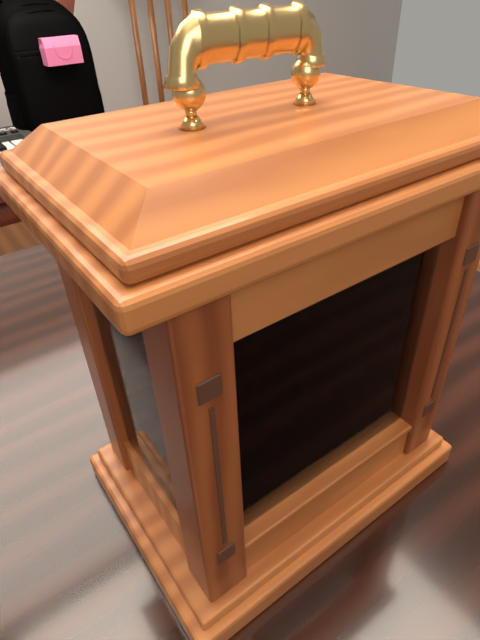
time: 4:13
